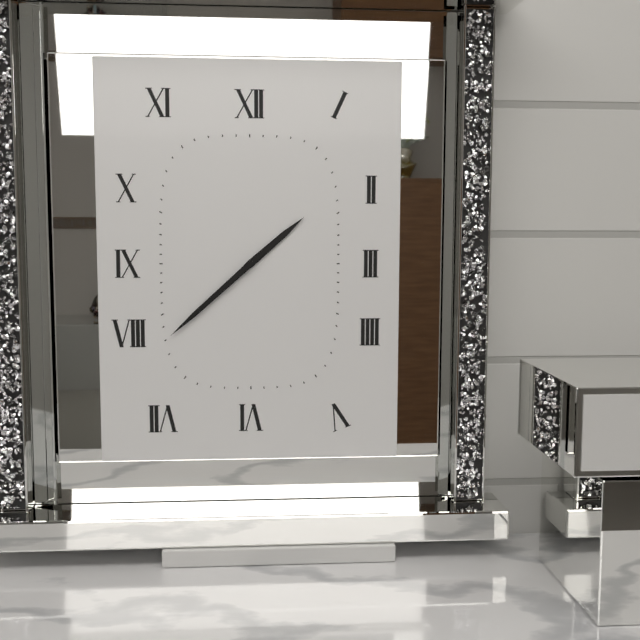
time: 1:38
